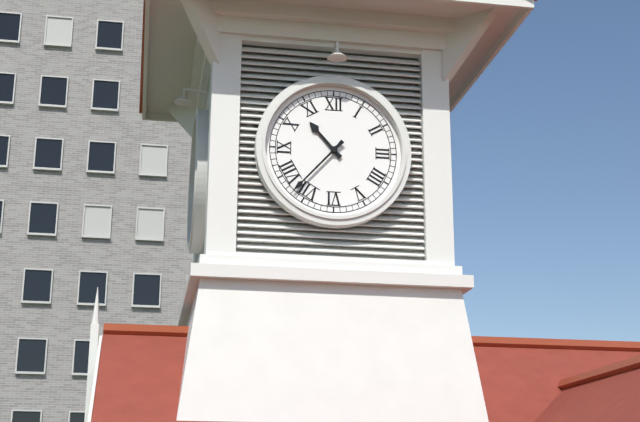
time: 10:37
